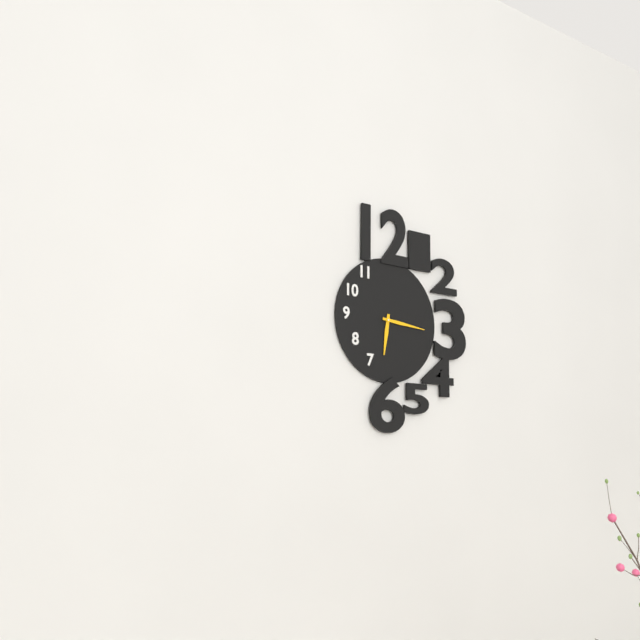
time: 6:16
